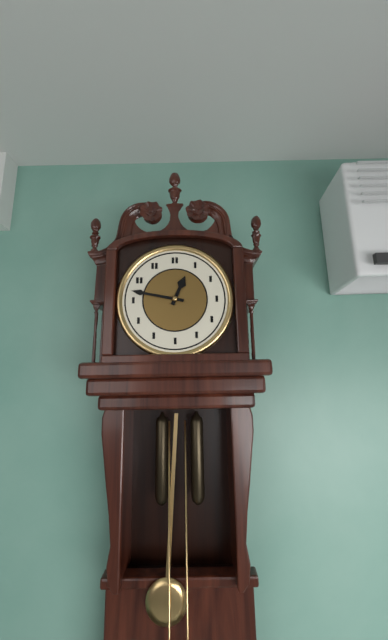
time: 12:47
